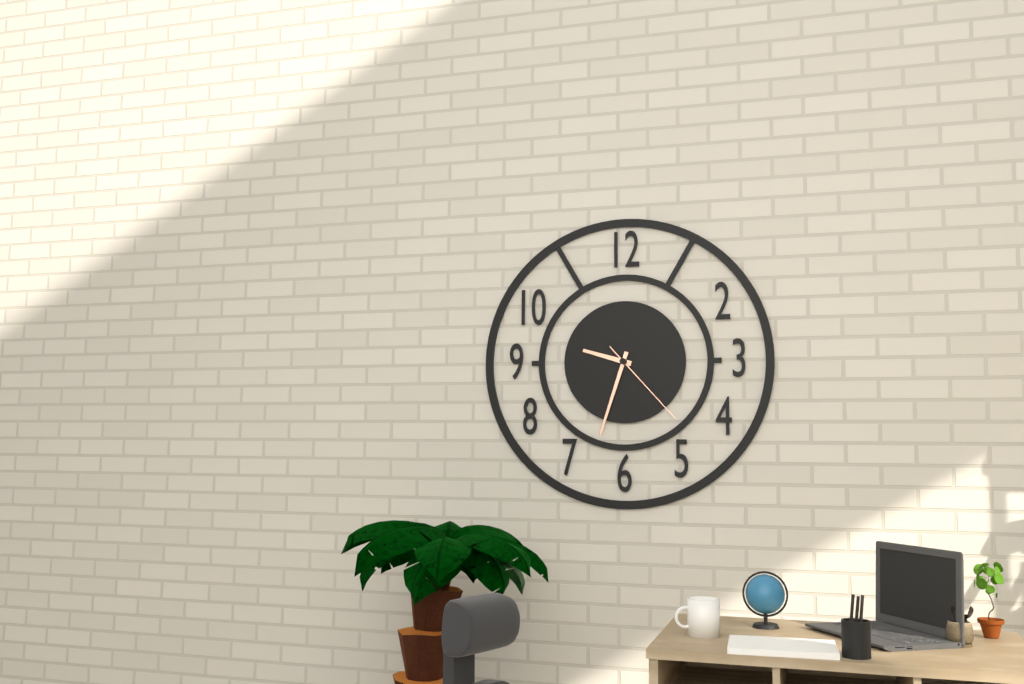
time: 9:33:23
